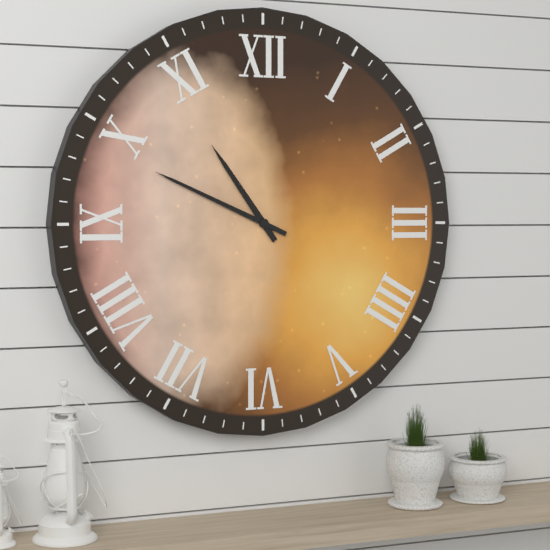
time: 10:49
